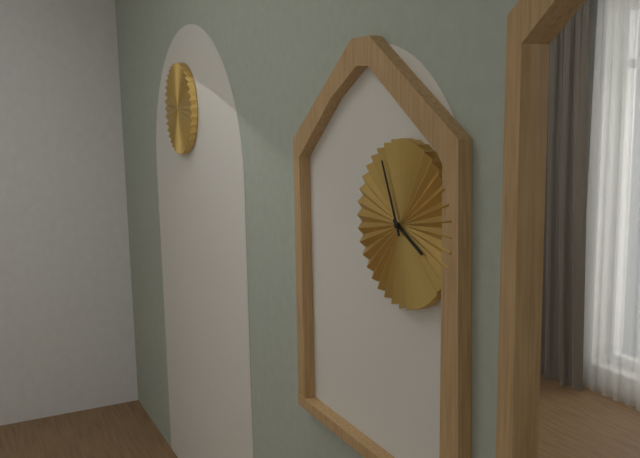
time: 3:56
